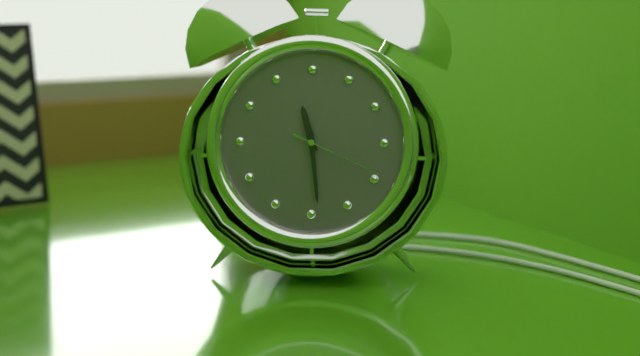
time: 11:29:19
